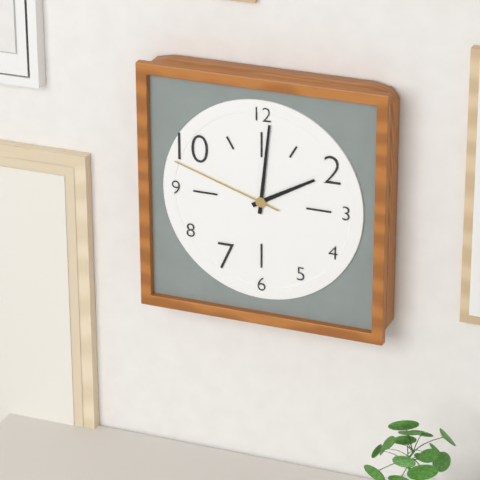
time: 2:01:48
